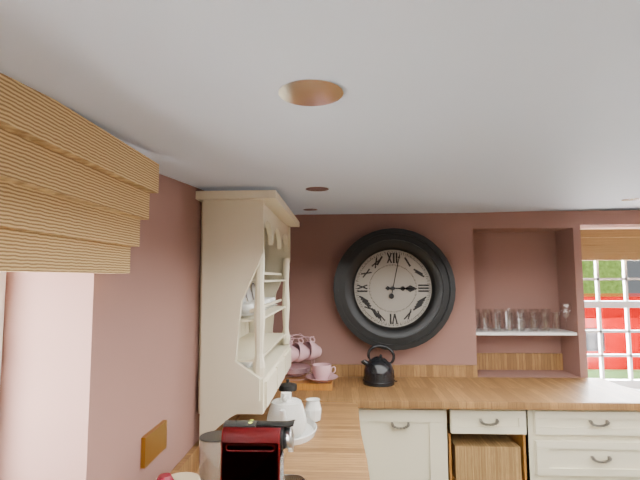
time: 3:02
